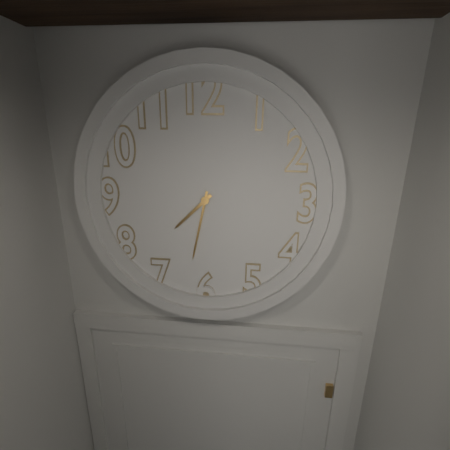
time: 7:32
